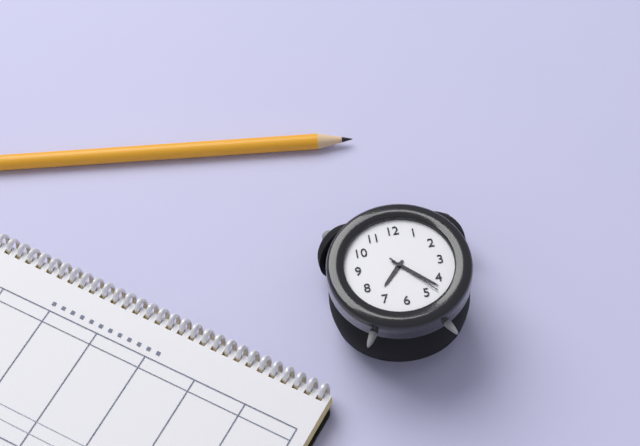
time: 7:22:23
